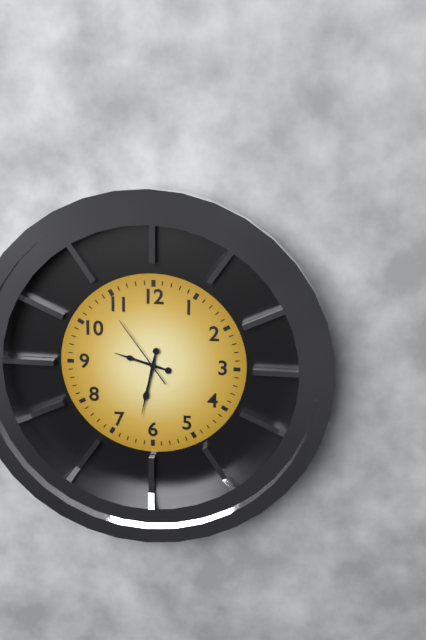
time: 9:32:54
